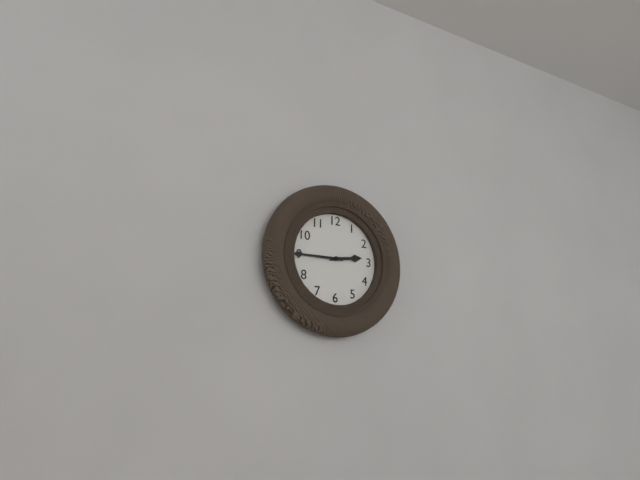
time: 2:45
